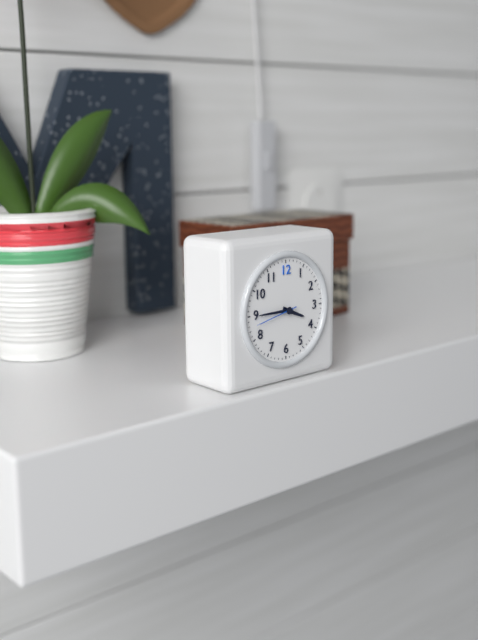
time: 3:45
